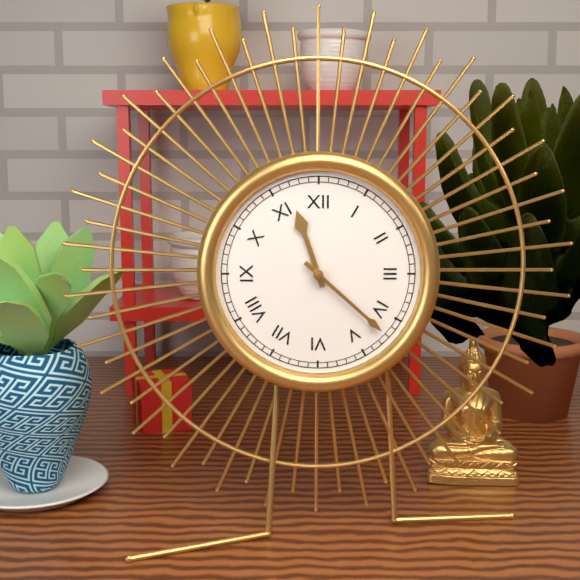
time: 11:22
